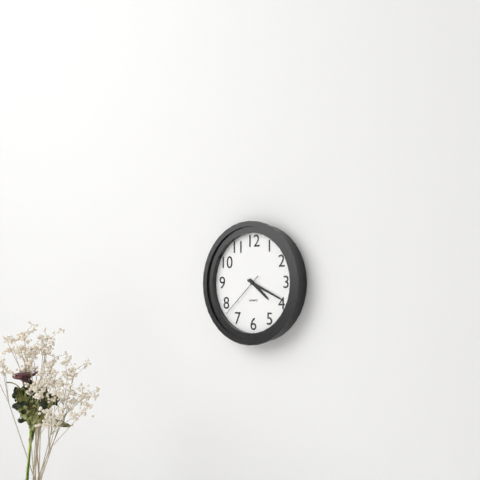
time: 4:19:38
